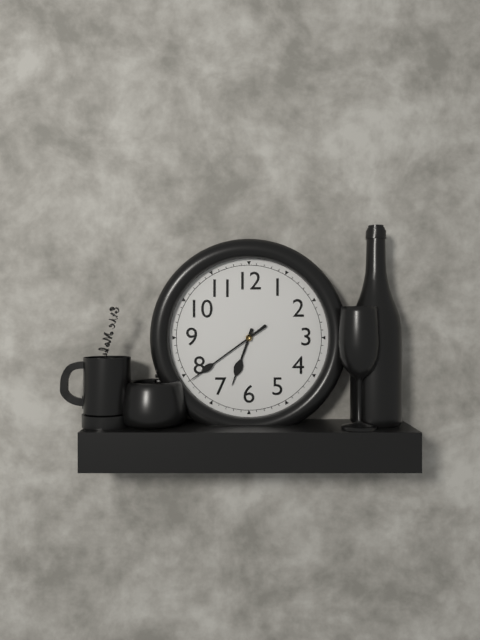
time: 6:39
